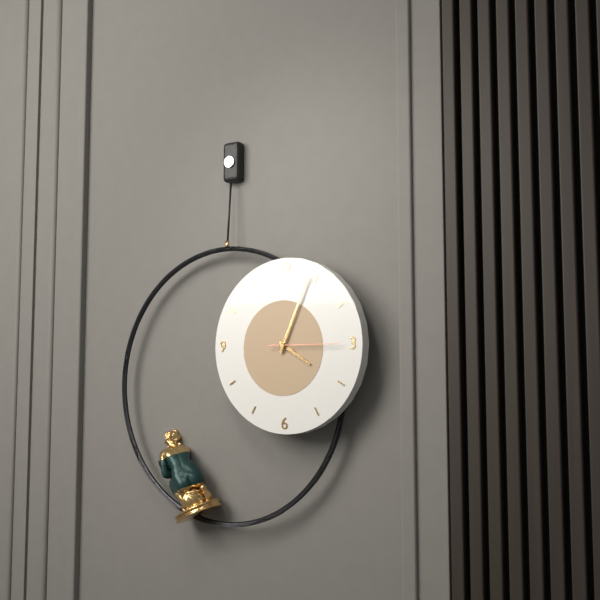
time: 4:04:15
